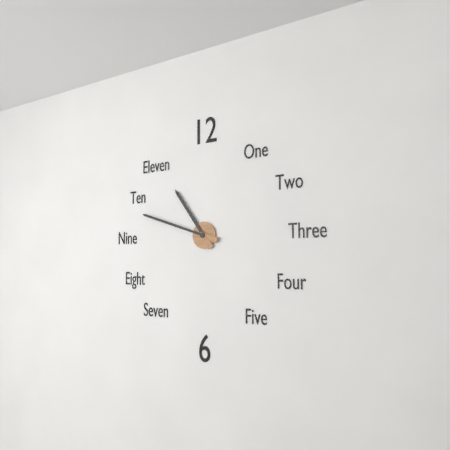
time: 10:48
